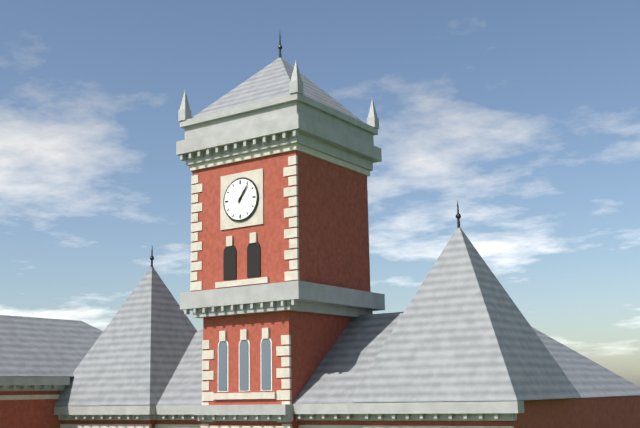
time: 1:06
